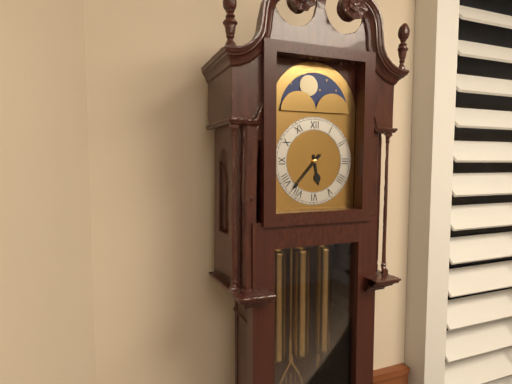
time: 5:37
